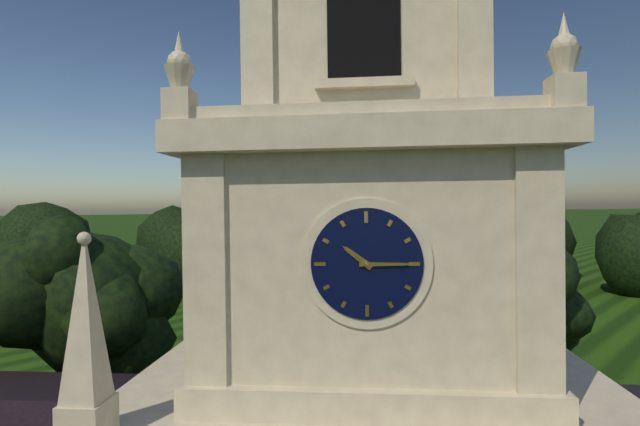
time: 10:15
